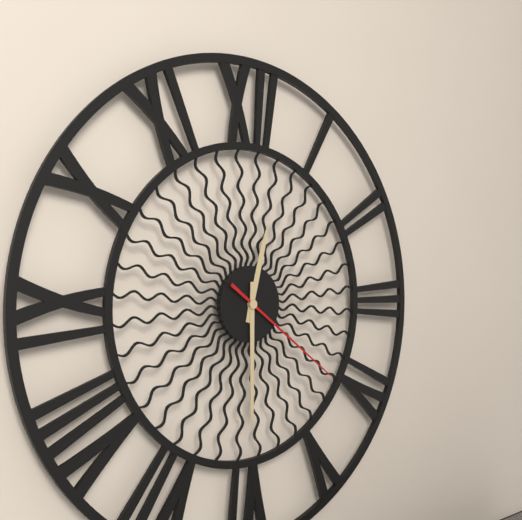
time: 12:30:21
